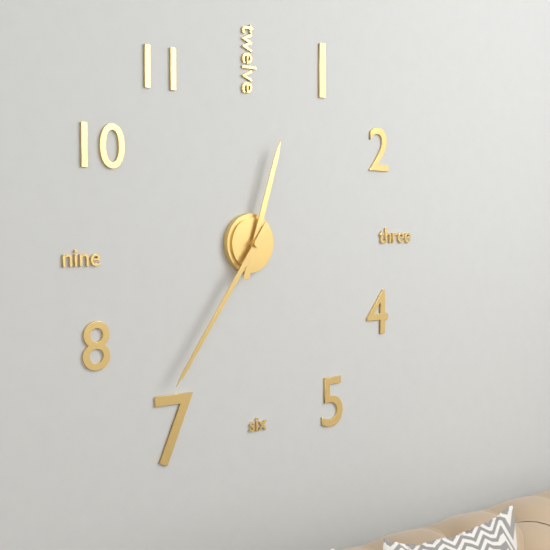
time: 12:36
